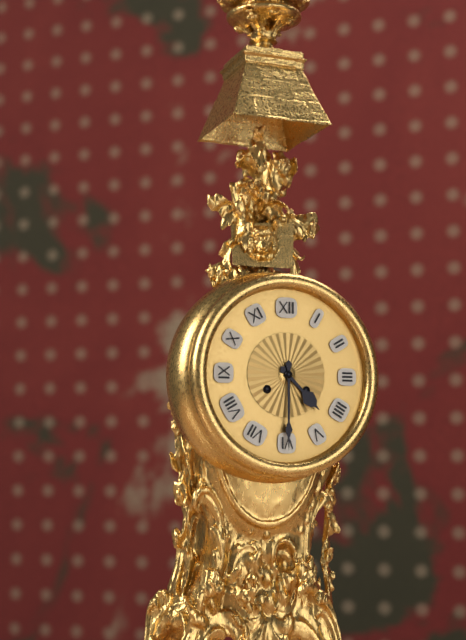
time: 4:30
